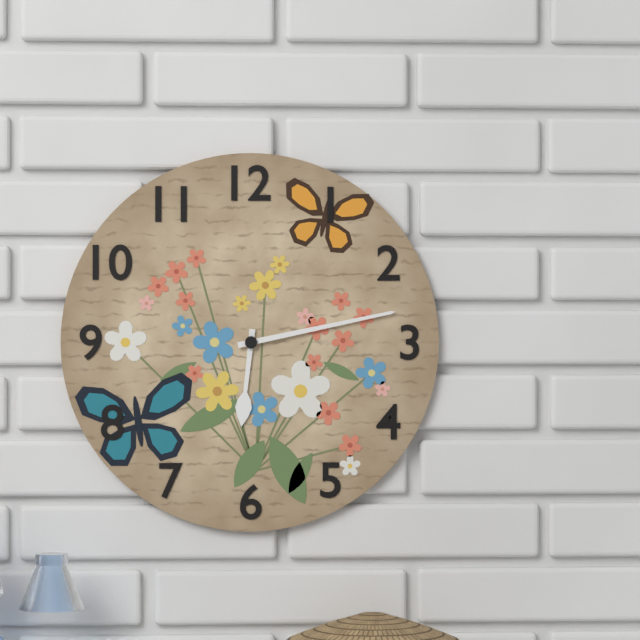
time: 6:13
